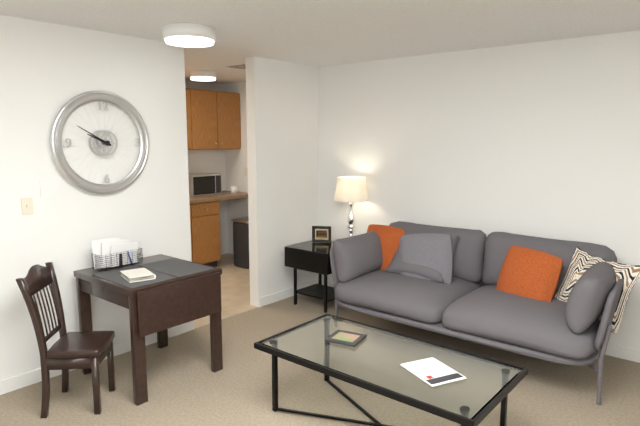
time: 9:50
